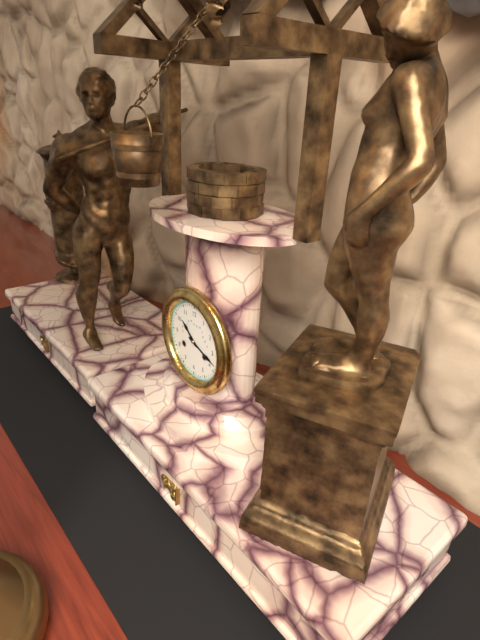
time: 10:18
